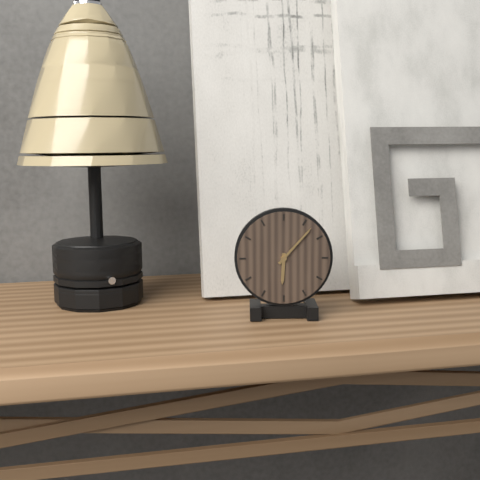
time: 6:07
